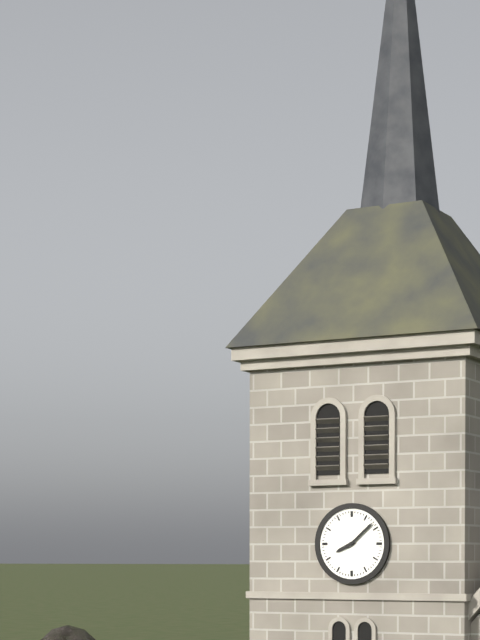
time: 8:08
